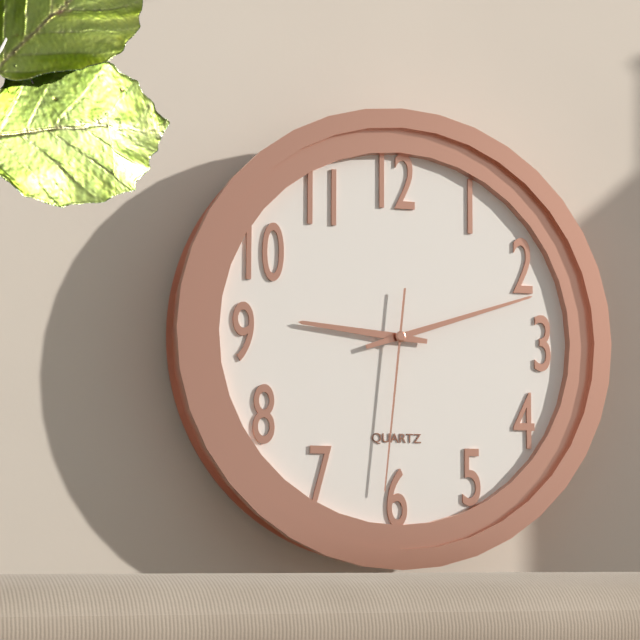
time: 9:12:31
